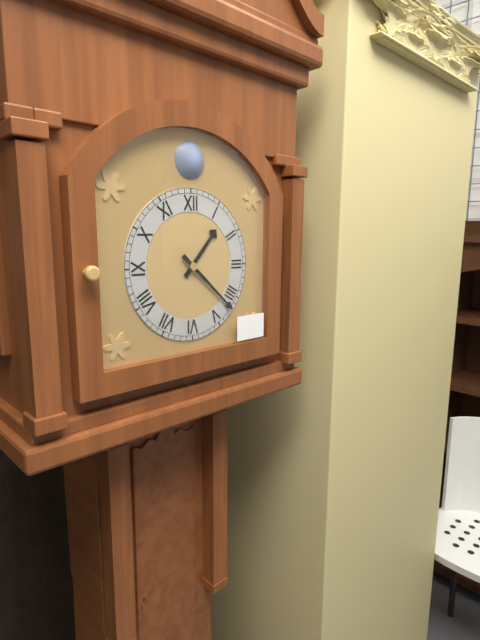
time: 1:22
